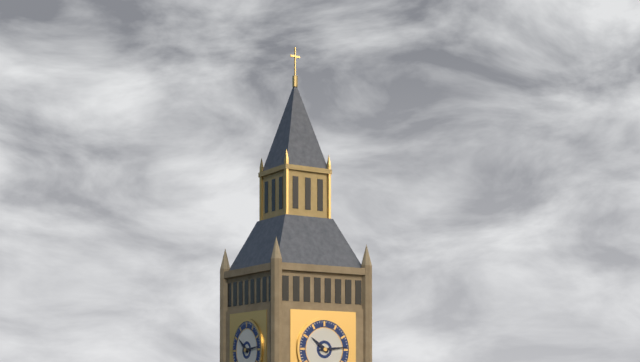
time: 10:14
